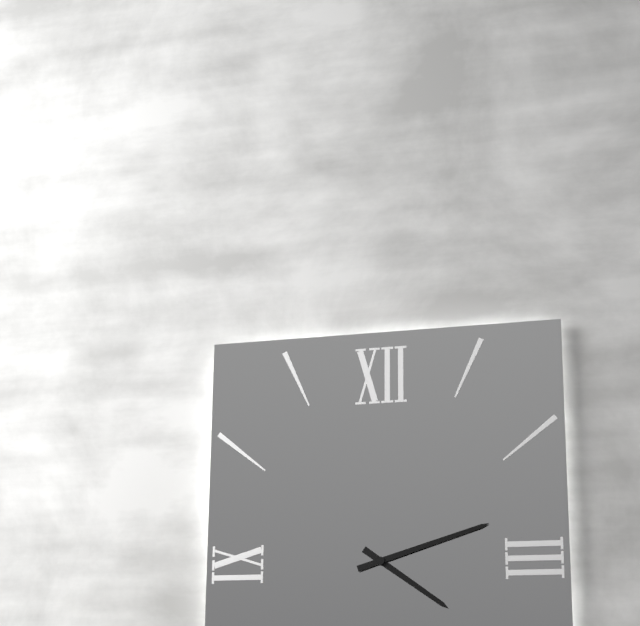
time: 4:12
